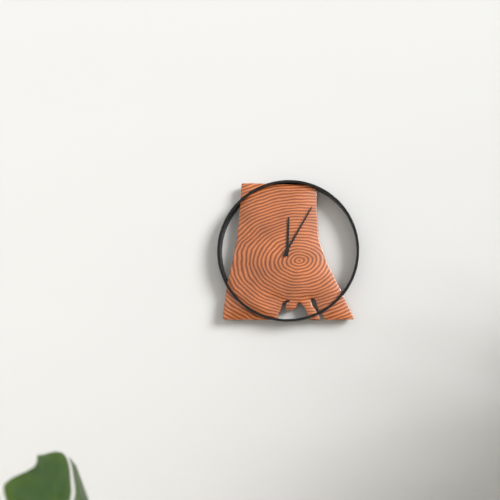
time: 12:05
